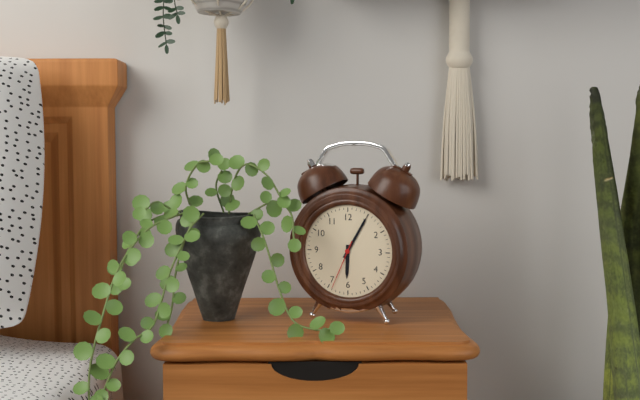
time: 6:05:34
